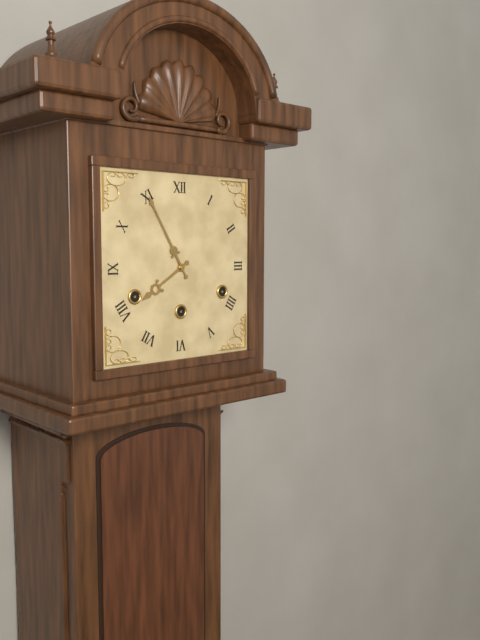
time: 7:55
